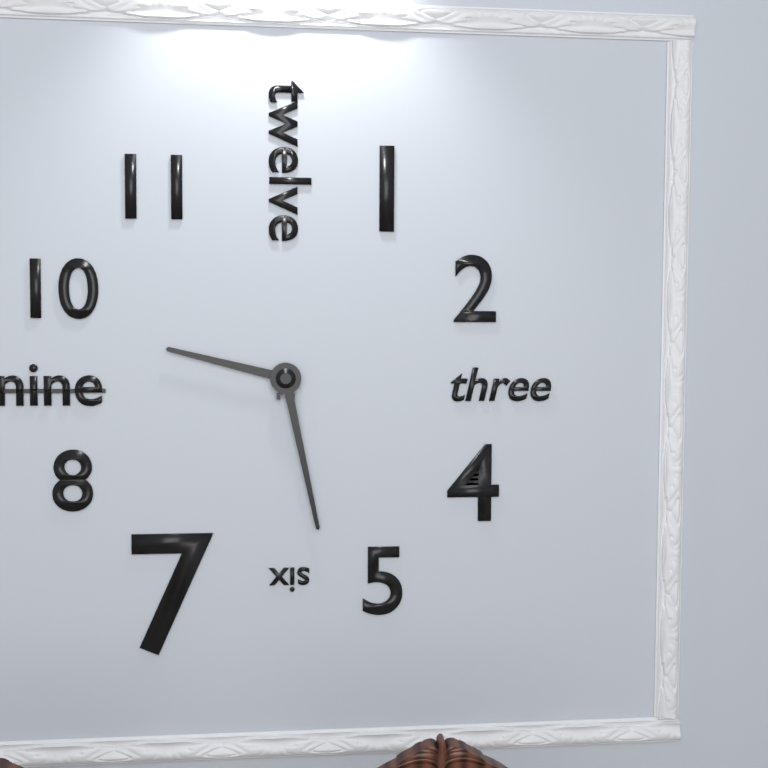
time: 9:28
